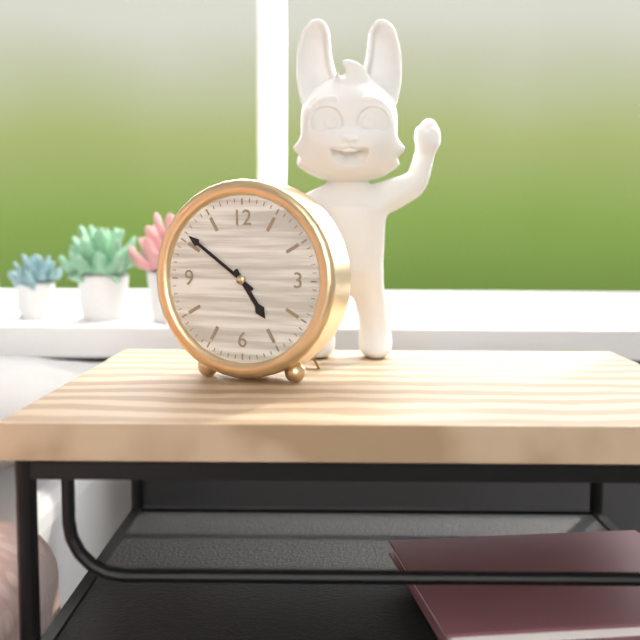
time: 4:51
